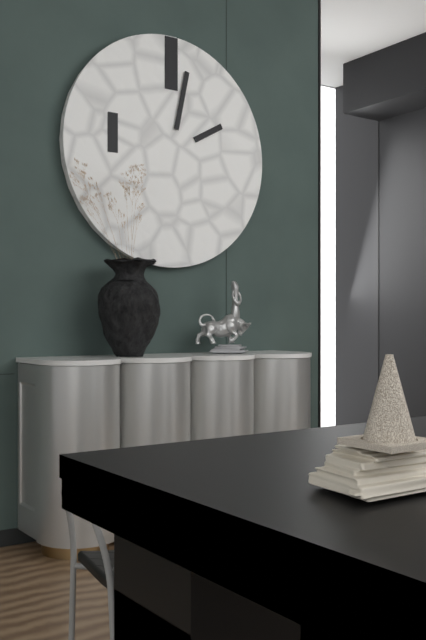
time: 2:02
